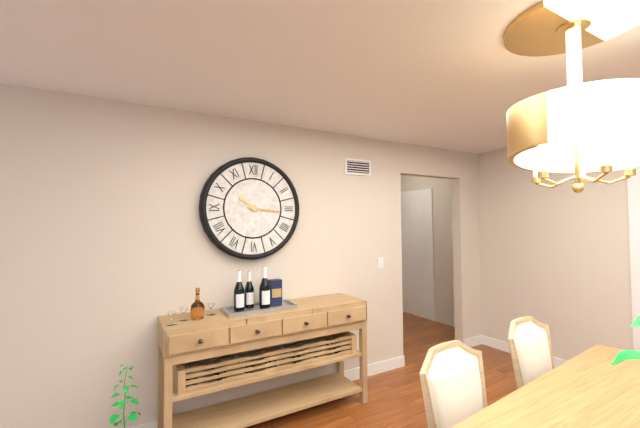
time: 10:16
